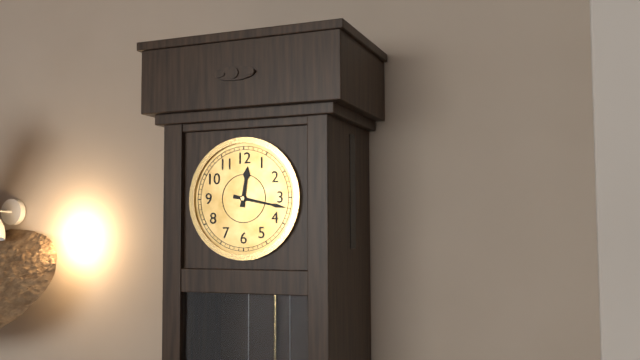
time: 12:17
